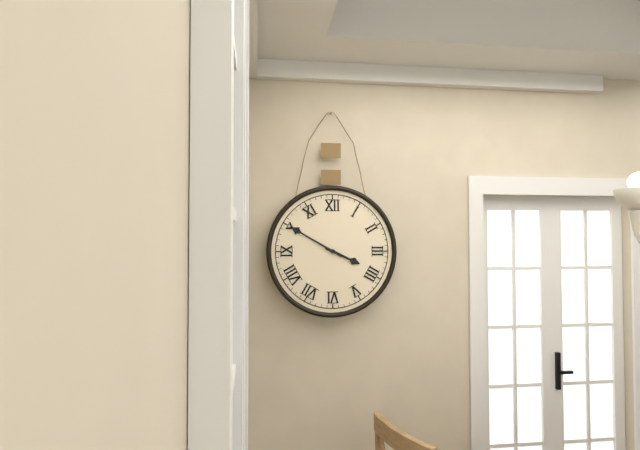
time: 3:50
